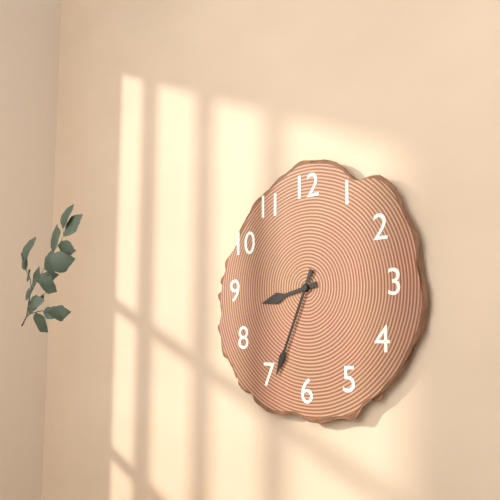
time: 8:34
